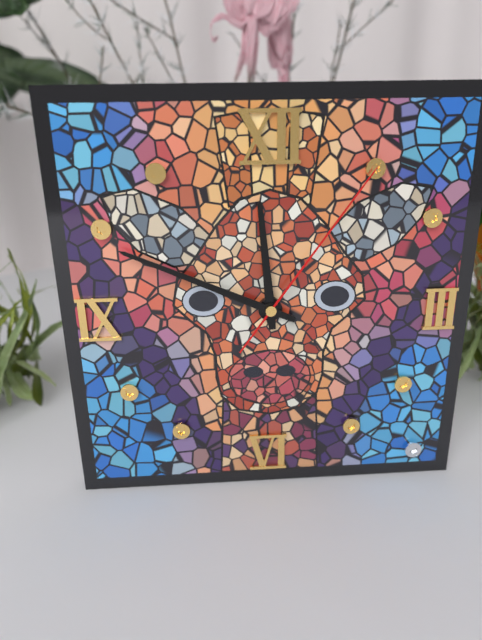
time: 11:49:06
